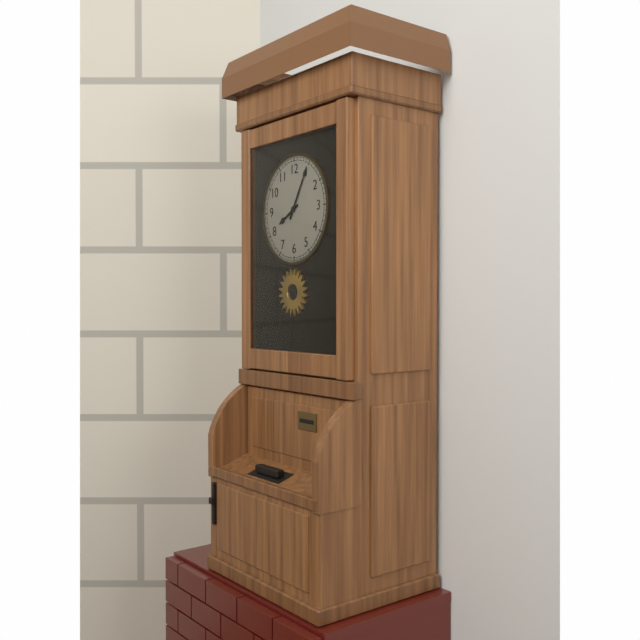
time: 8:05
